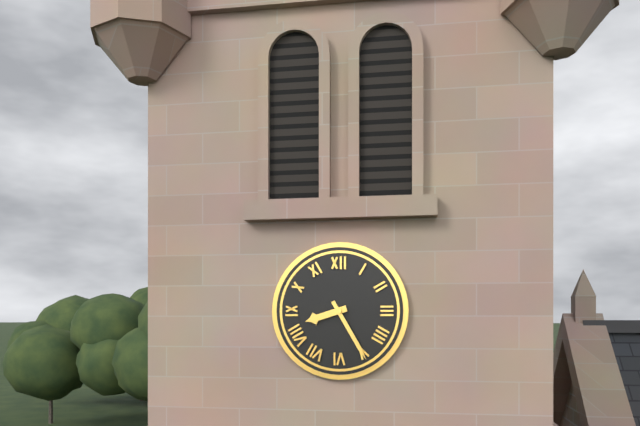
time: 8:25
